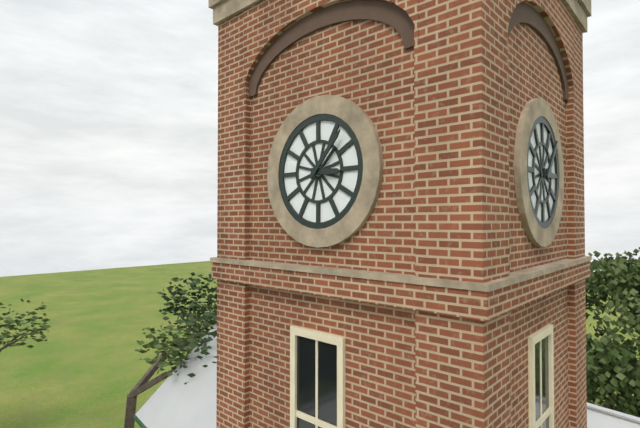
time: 3:07
